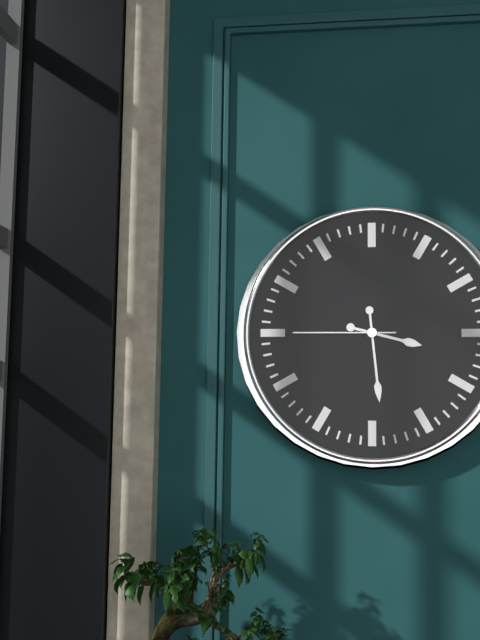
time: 3:29:45
